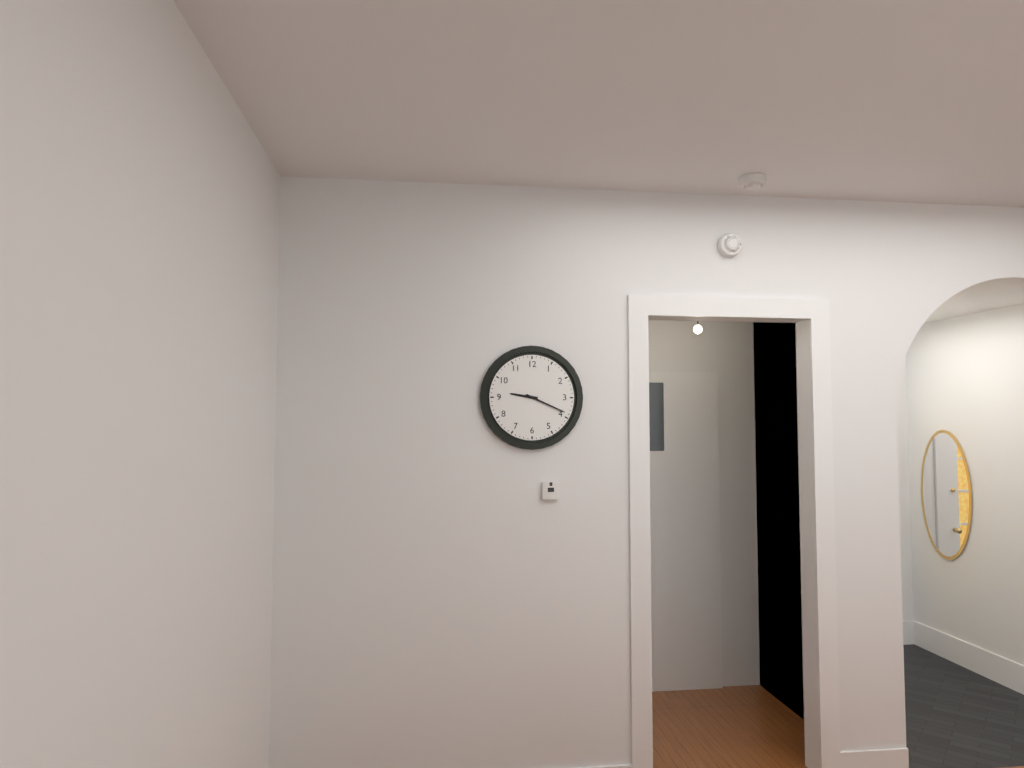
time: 9:19
